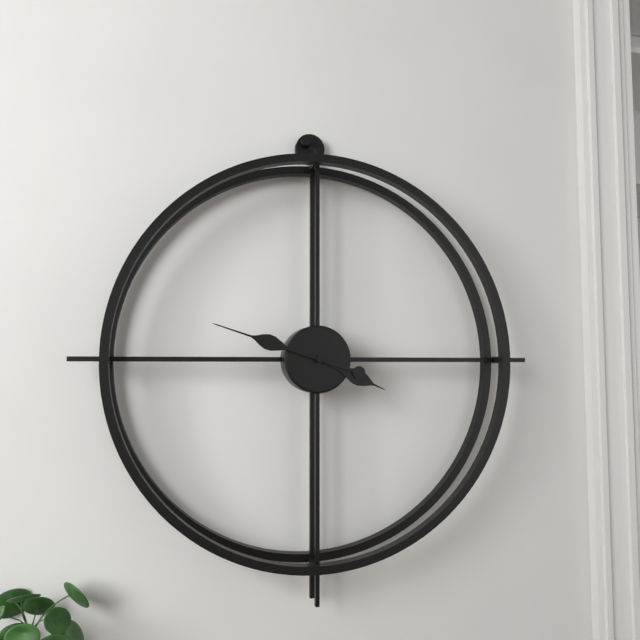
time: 3:48
